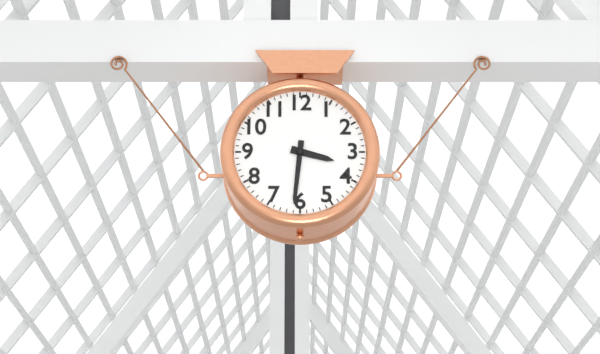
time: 3:31
